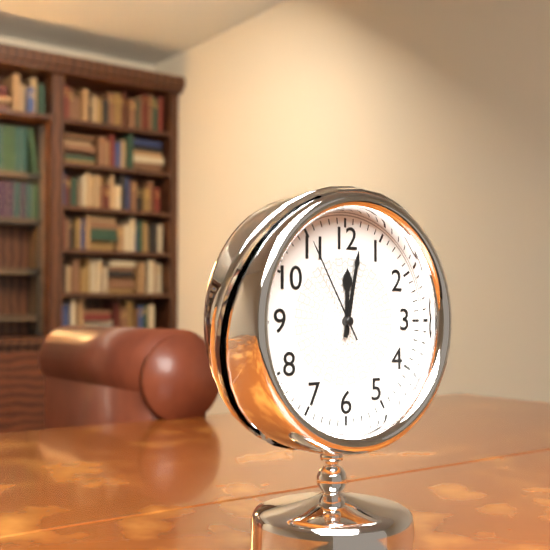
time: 12:02:55
